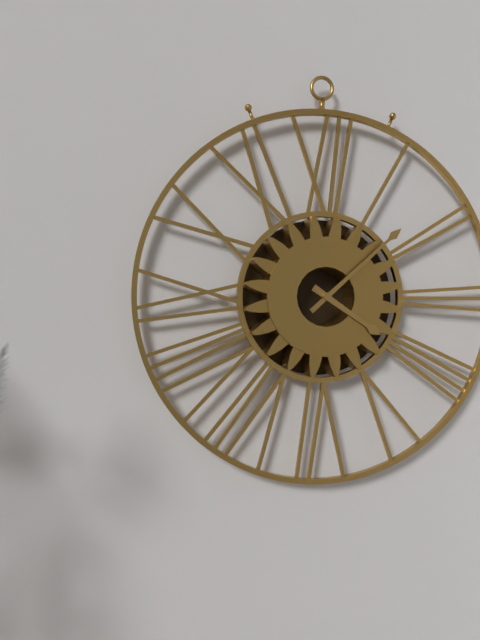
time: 4:08
